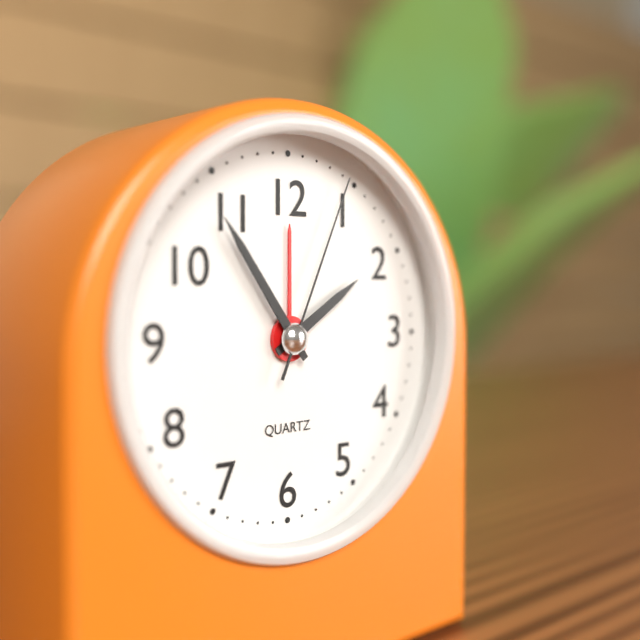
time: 1:54:04
